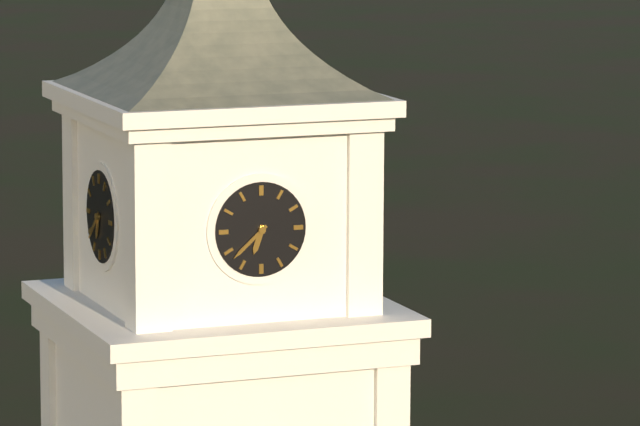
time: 6:38
